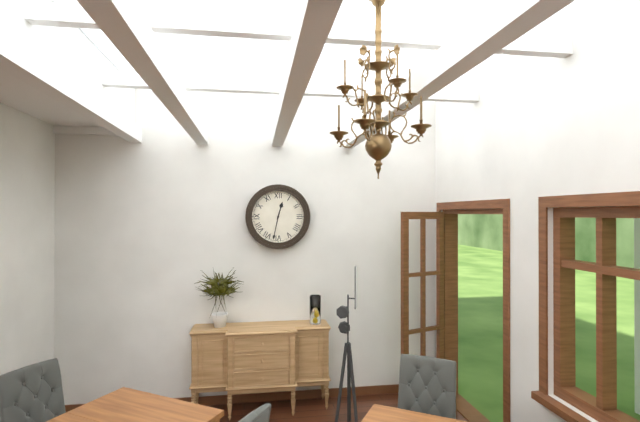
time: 12:32
